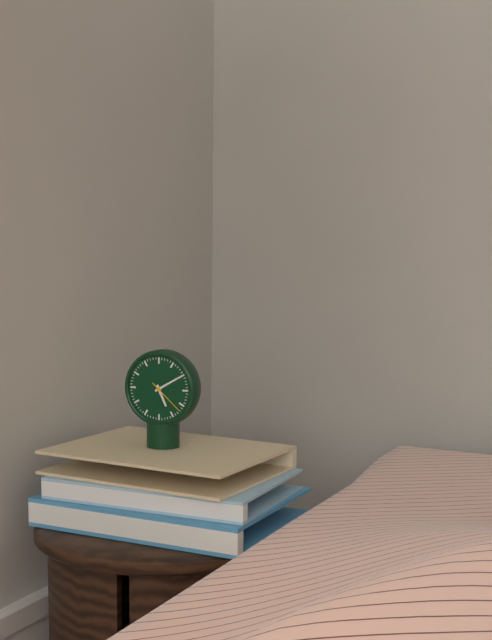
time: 5:10
